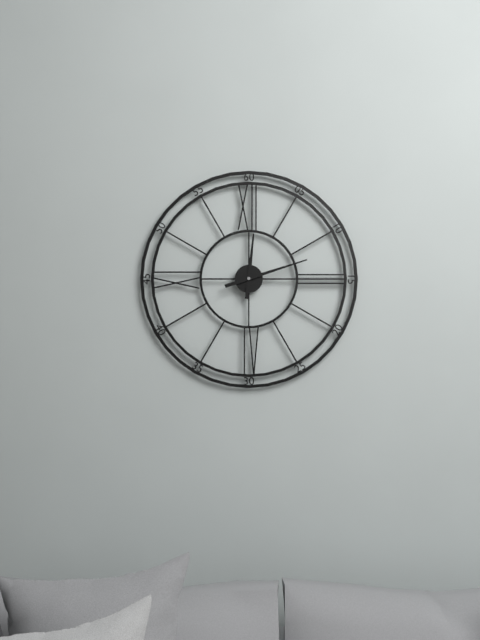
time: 12:12
